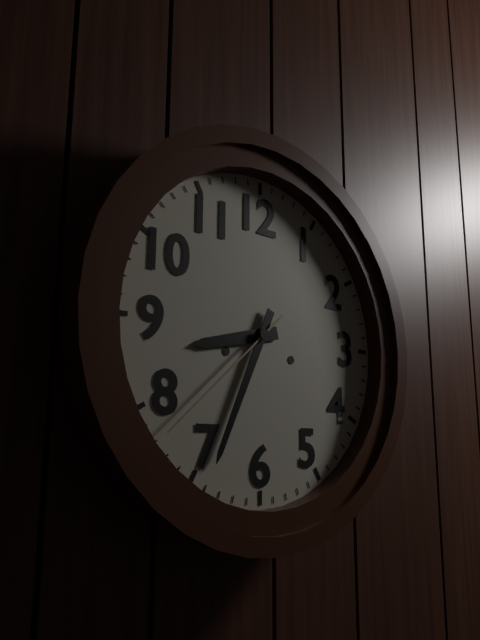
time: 8:34:38
